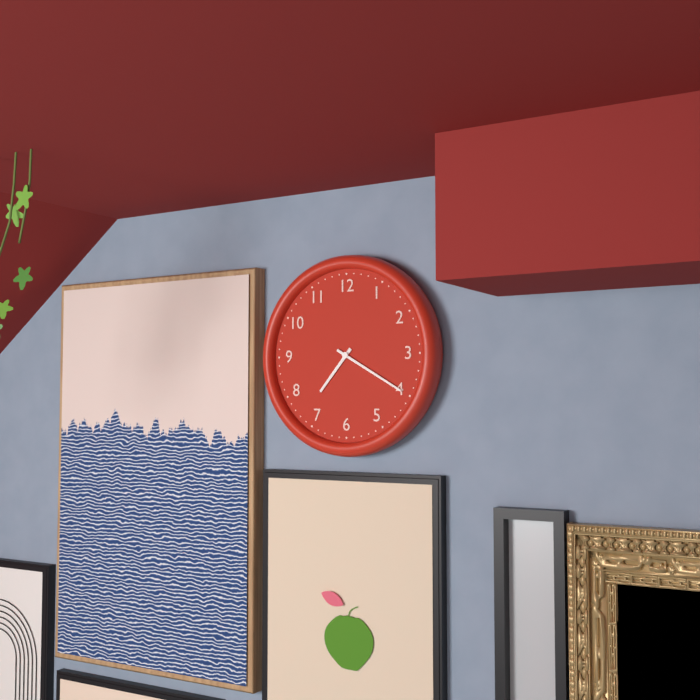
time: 7:20
